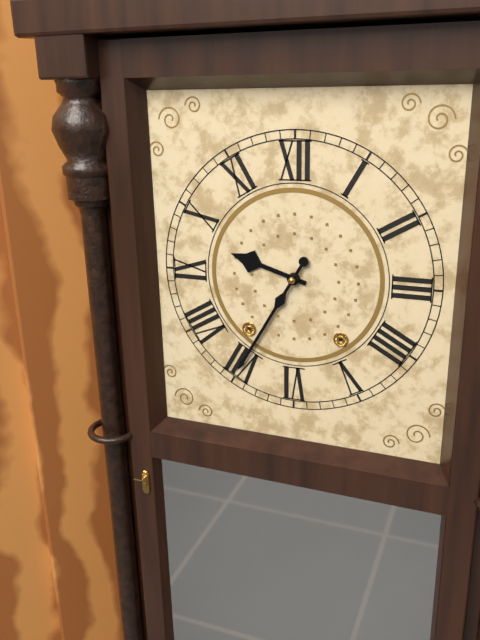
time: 9:35
